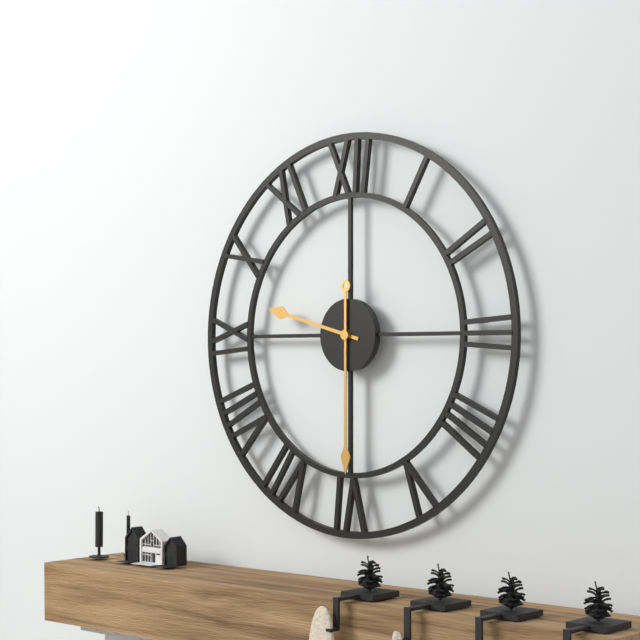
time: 9:30
